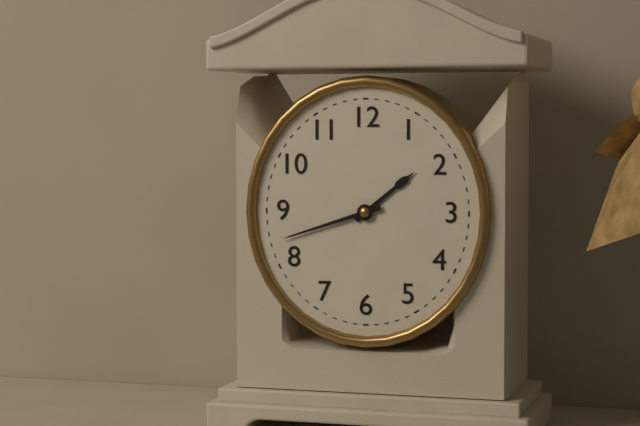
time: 1:42
